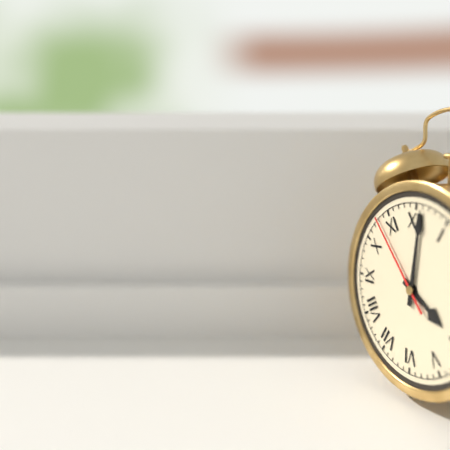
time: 4:01:53
